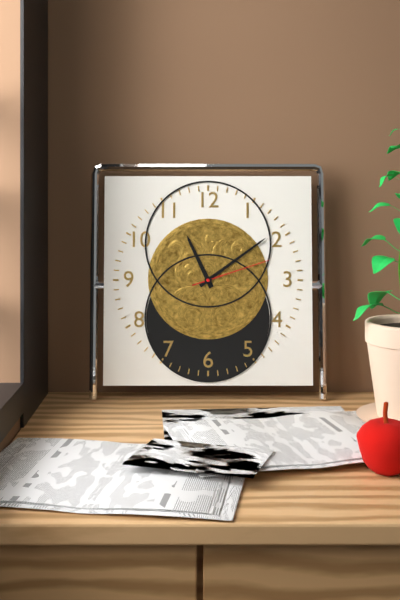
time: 11:09:12
